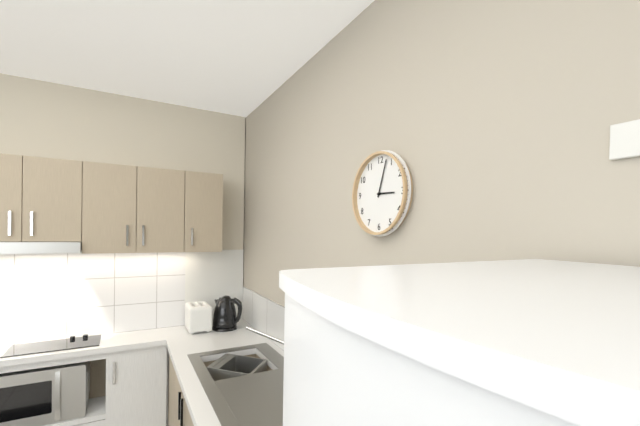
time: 3:03
